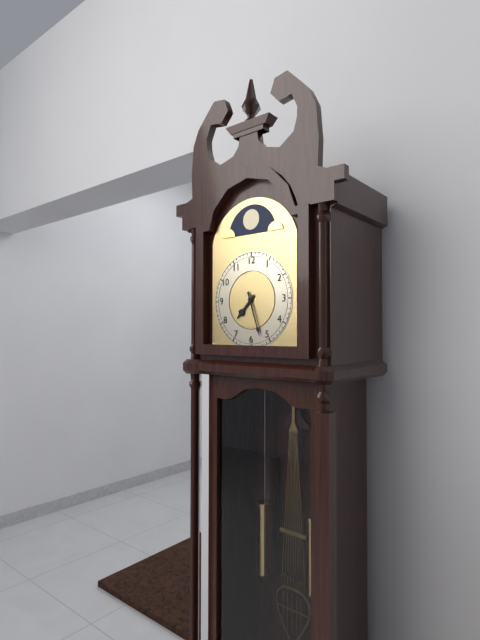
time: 7:27
